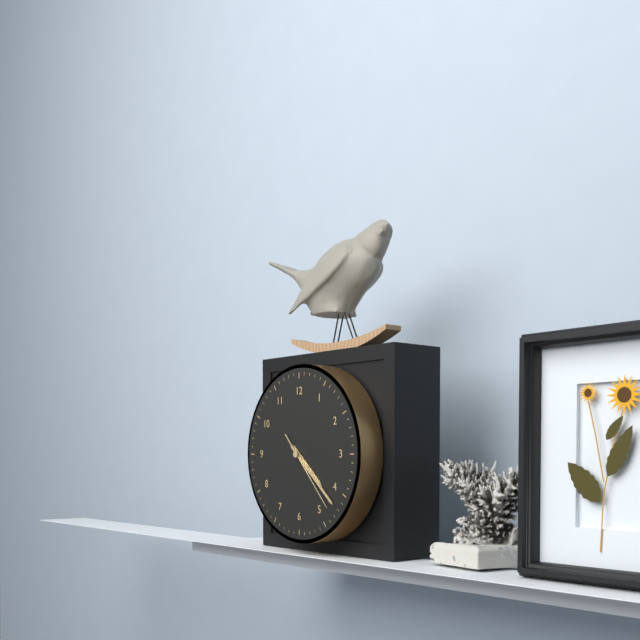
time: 4:22:23
